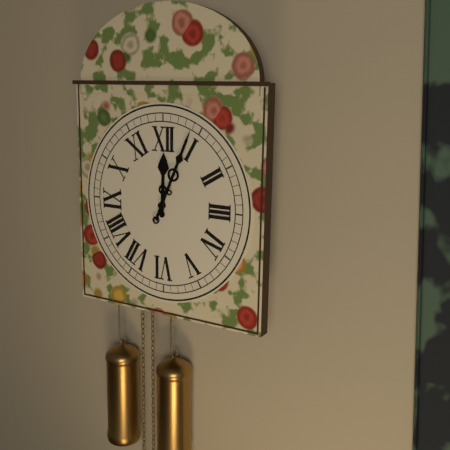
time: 12:04
